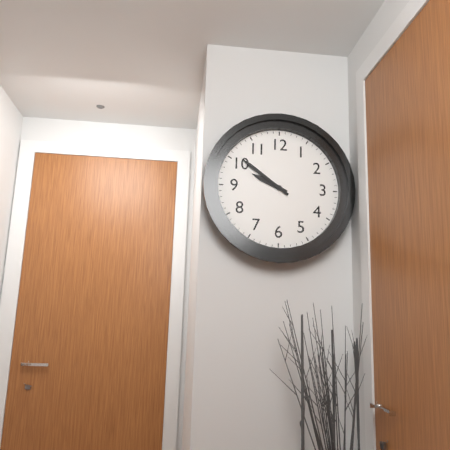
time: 9:51
